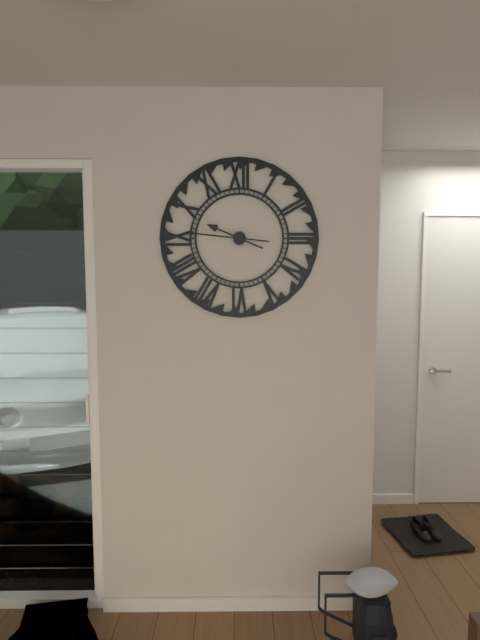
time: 9:46
